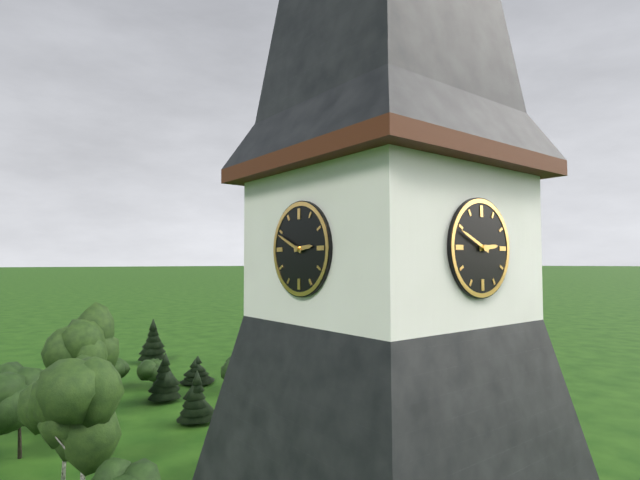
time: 2:49
